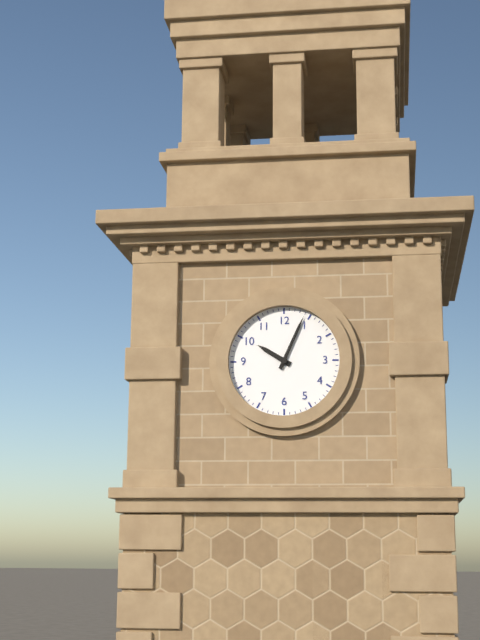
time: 10:04
